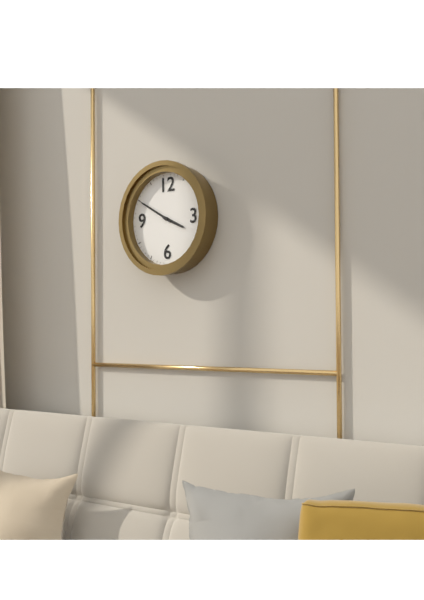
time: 3:50
